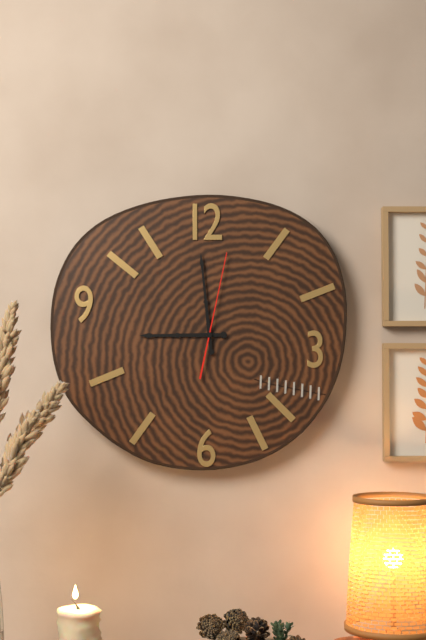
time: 8:59:02
